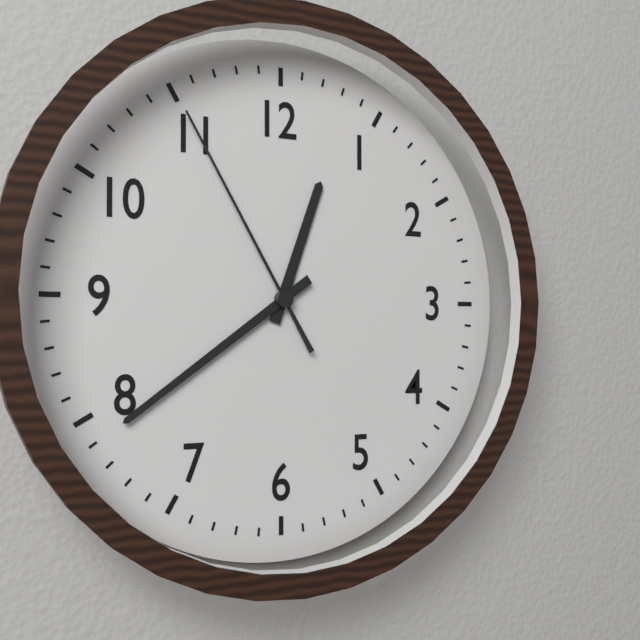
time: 12:39:55
